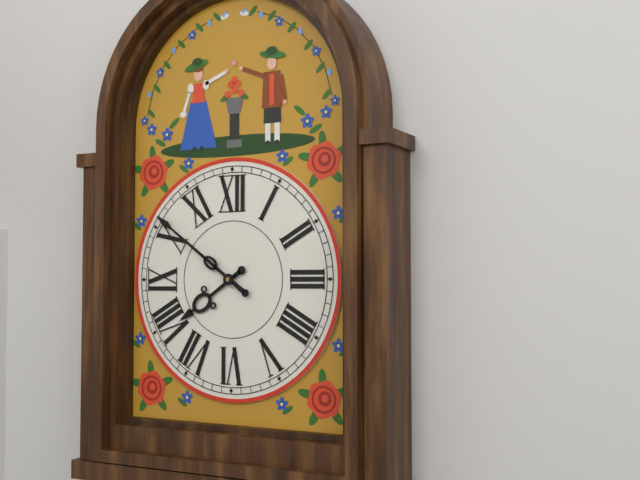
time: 7:51
